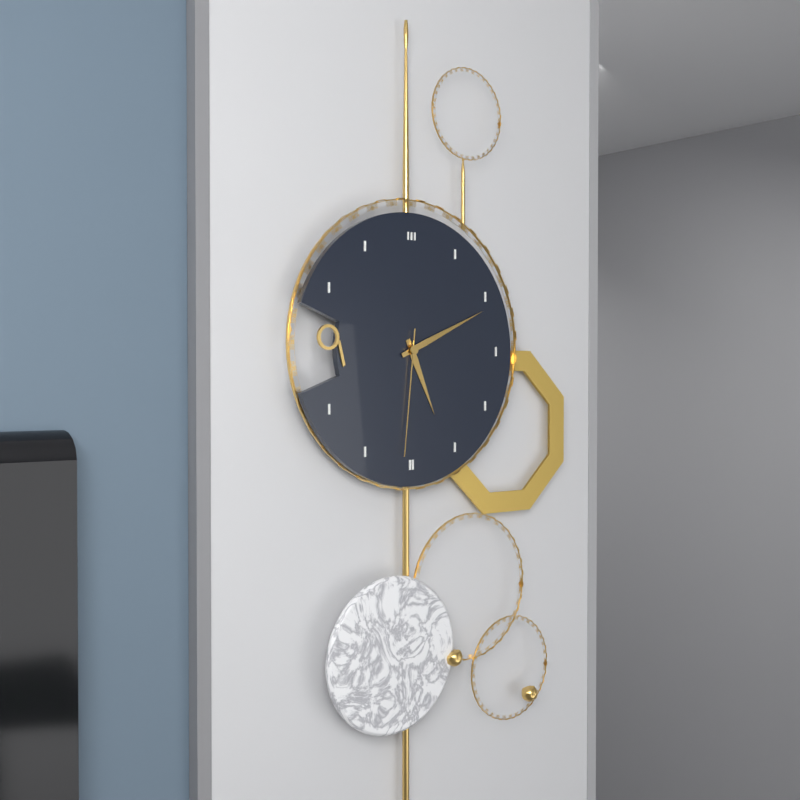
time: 5:11:31
